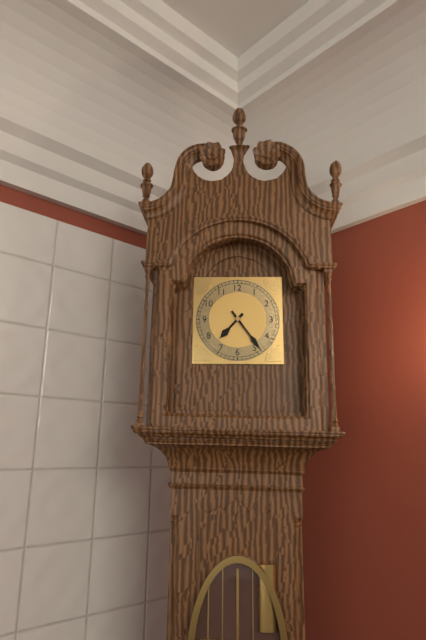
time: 7:24
